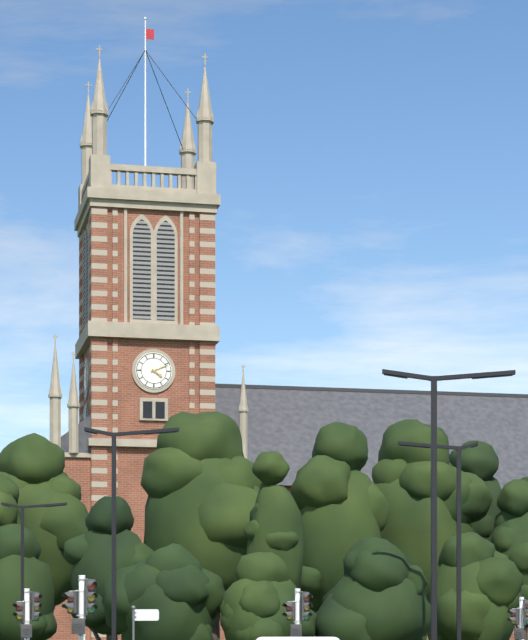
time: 4:11
